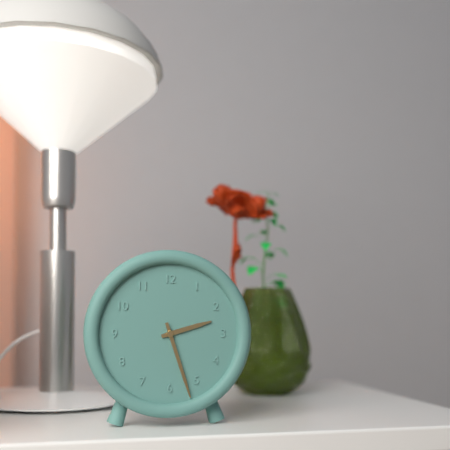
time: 2:27
